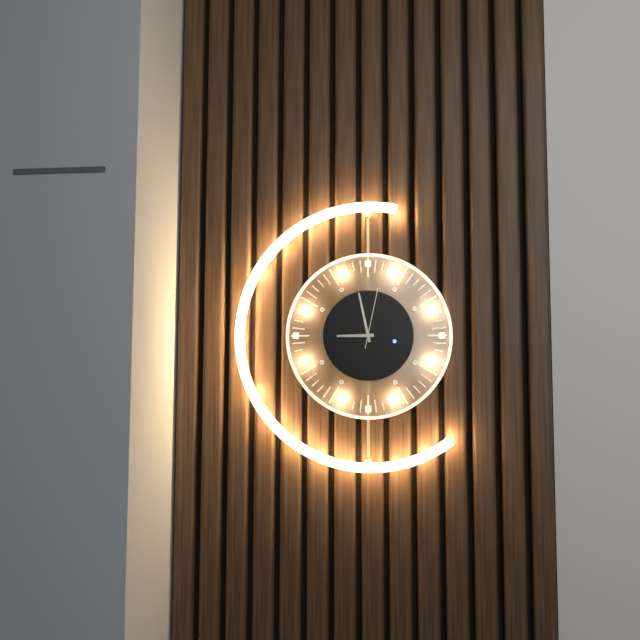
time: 8:58:02
